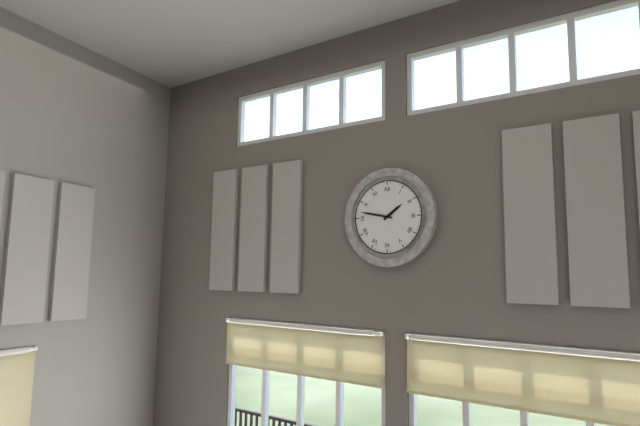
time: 1:47
